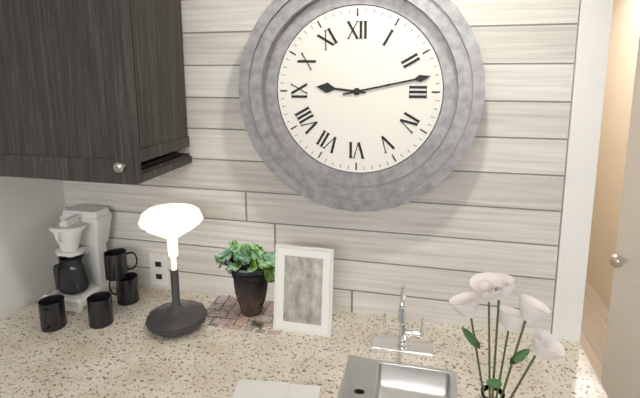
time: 9:13
